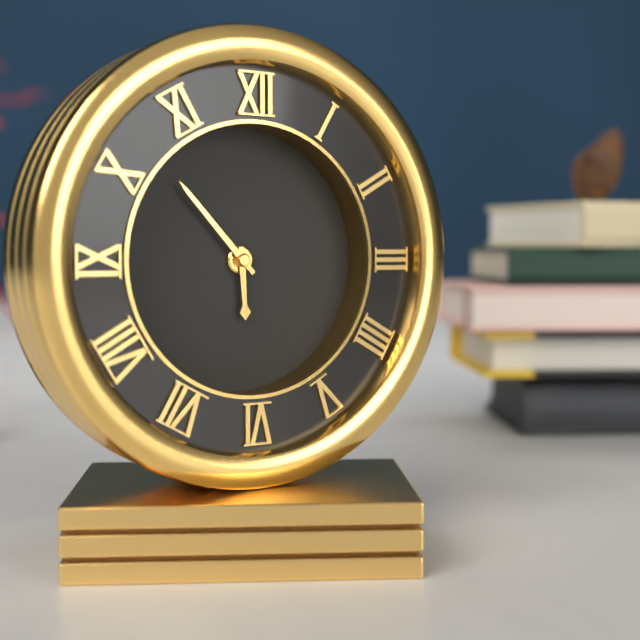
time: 5:53
